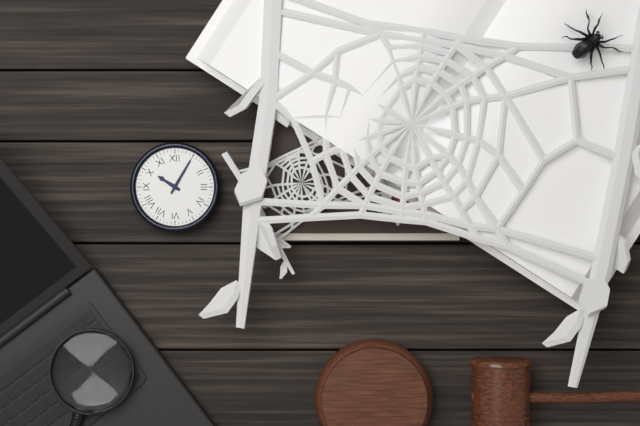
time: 10:05
